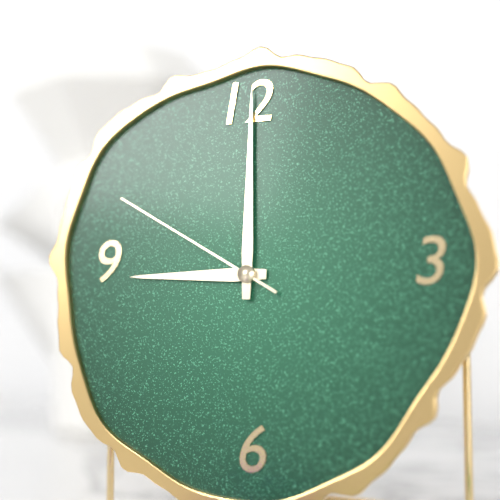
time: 9:00:50
